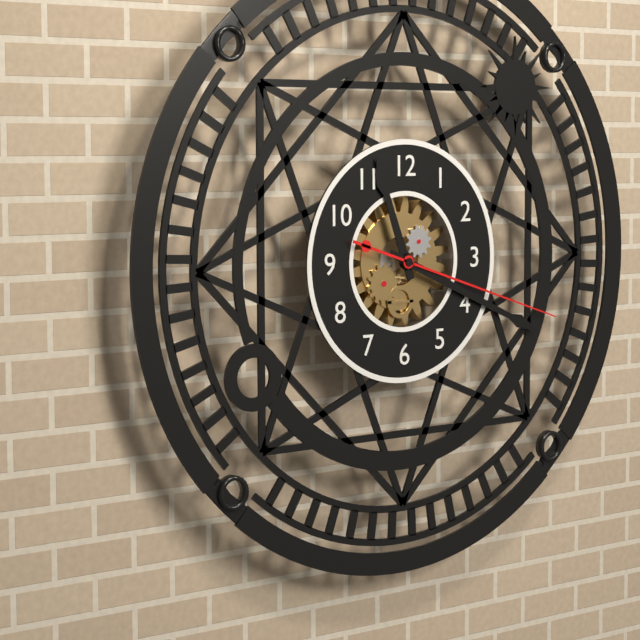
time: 11:19:18
